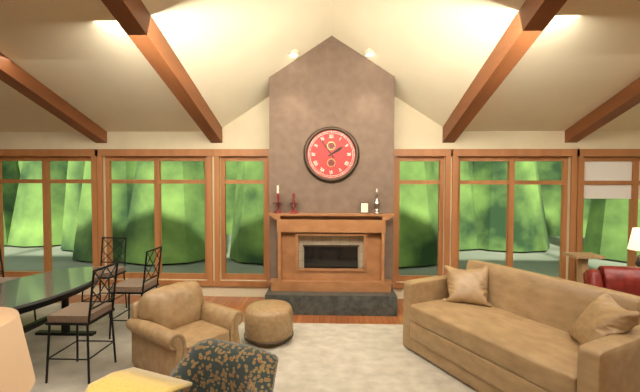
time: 1:54
